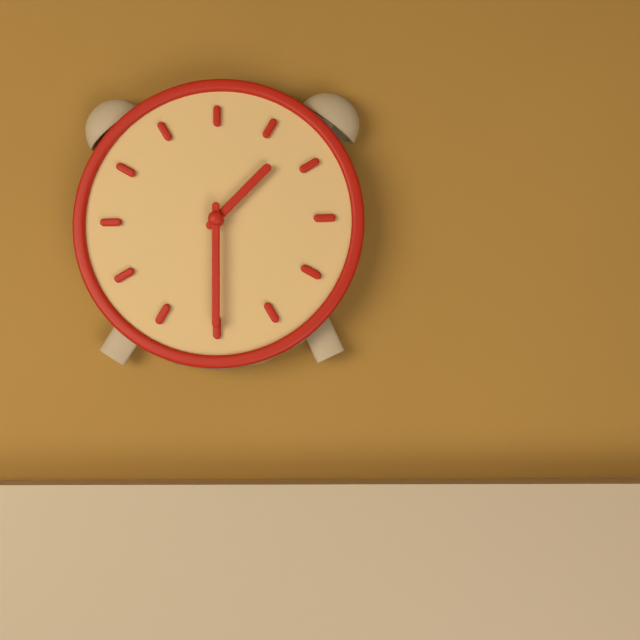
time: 1:30
